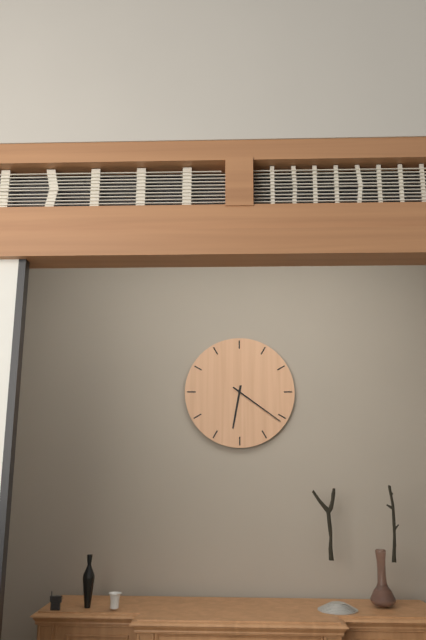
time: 6:21
